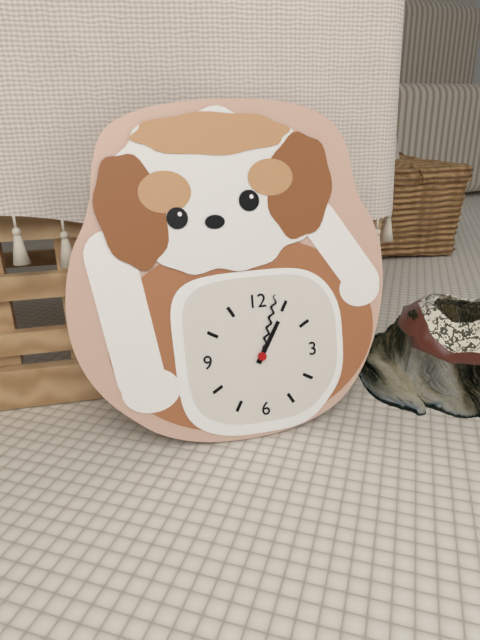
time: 1:03
